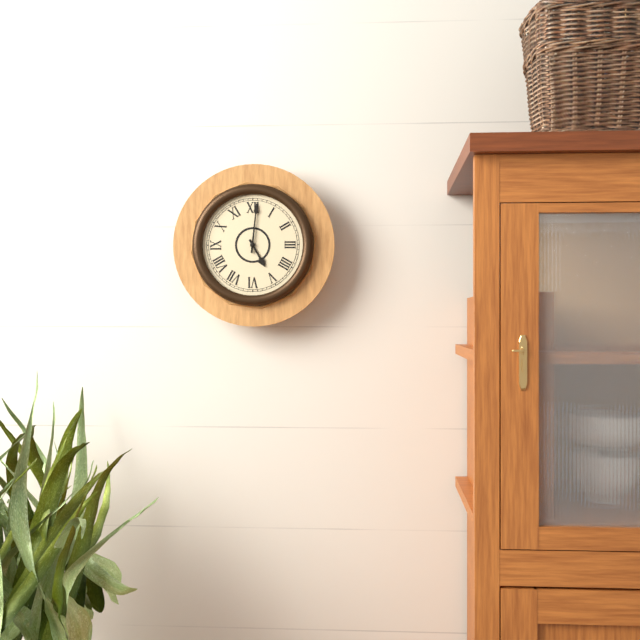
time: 5:01
